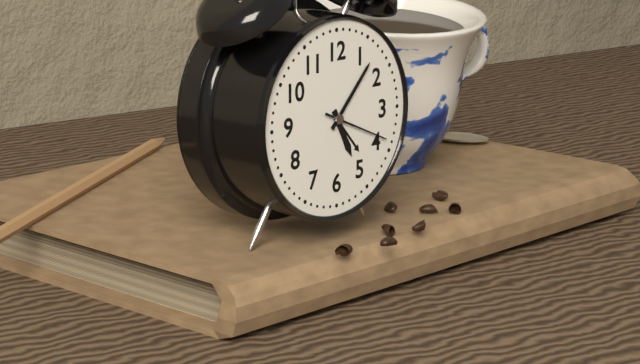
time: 5:07:19
